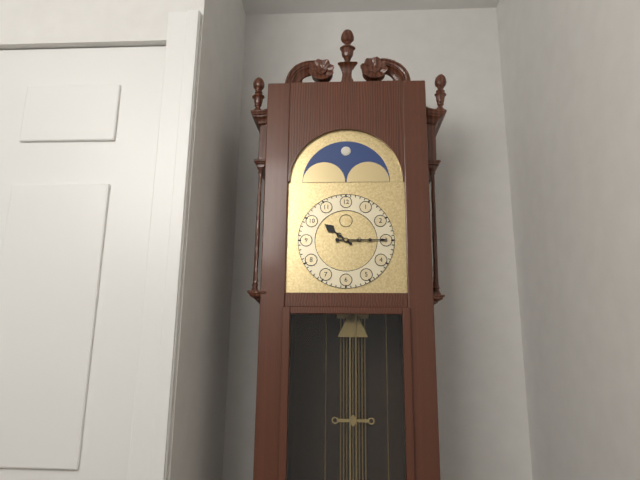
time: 10:15
